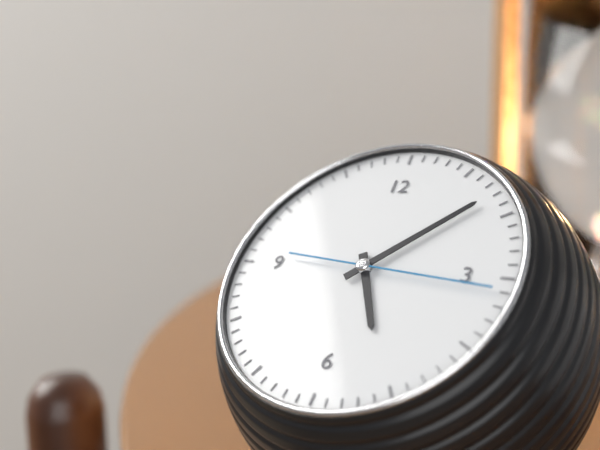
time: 5:08:16
